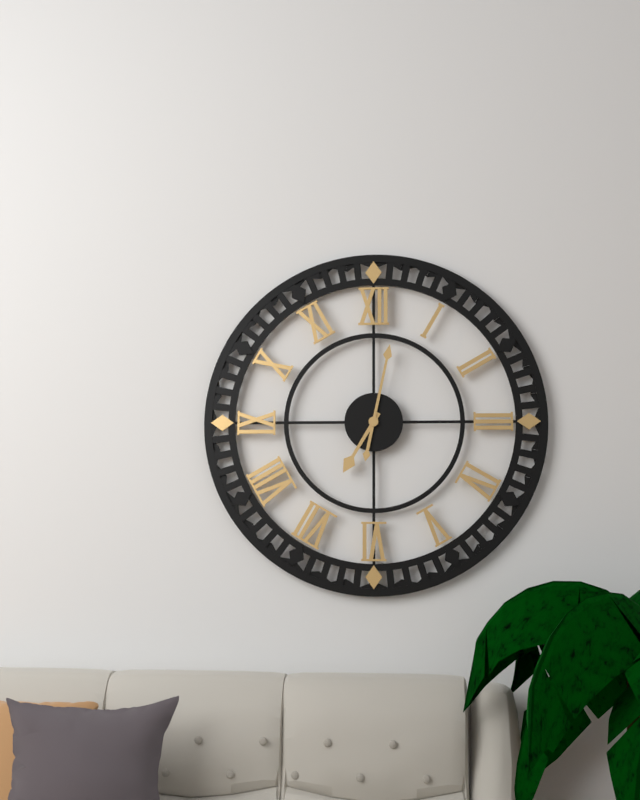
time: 7:02
